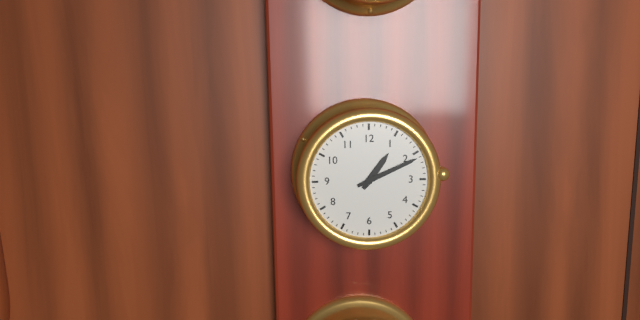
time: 1:11
